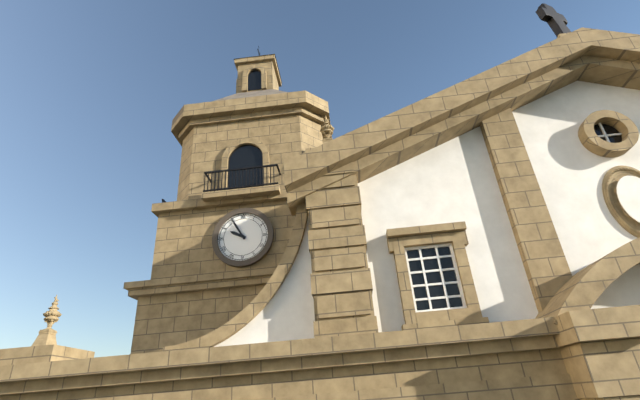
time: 9:55
